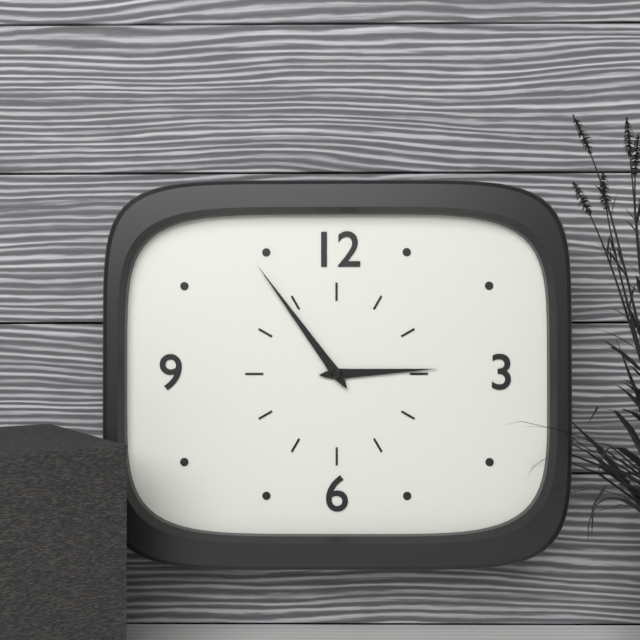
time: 2:54
